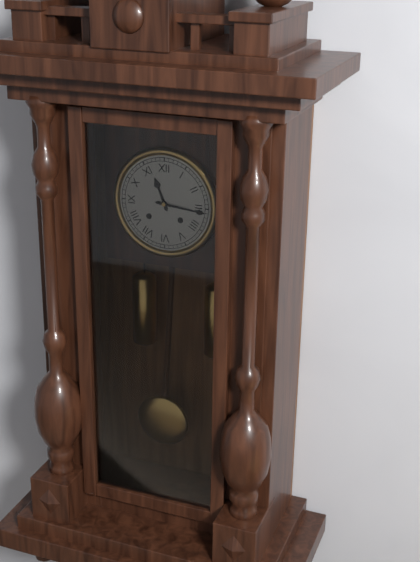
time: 11:16
